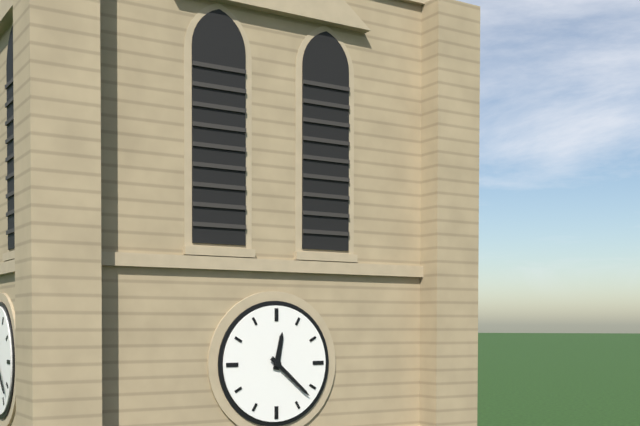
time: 12:22
